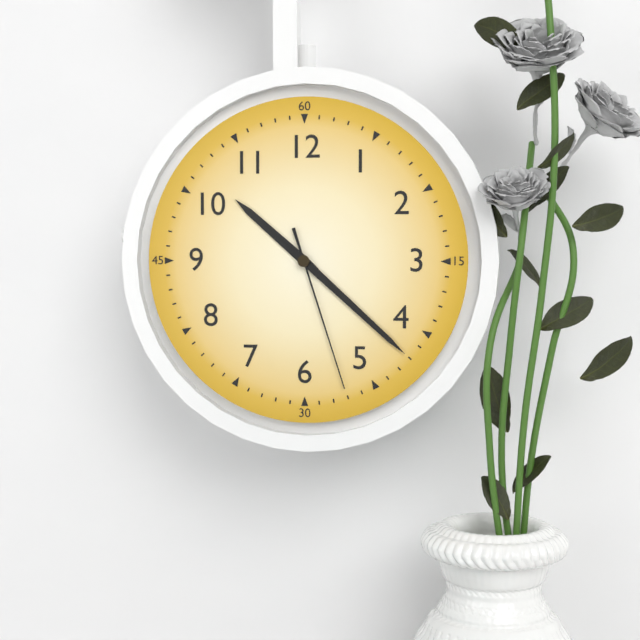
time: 10:22:27
